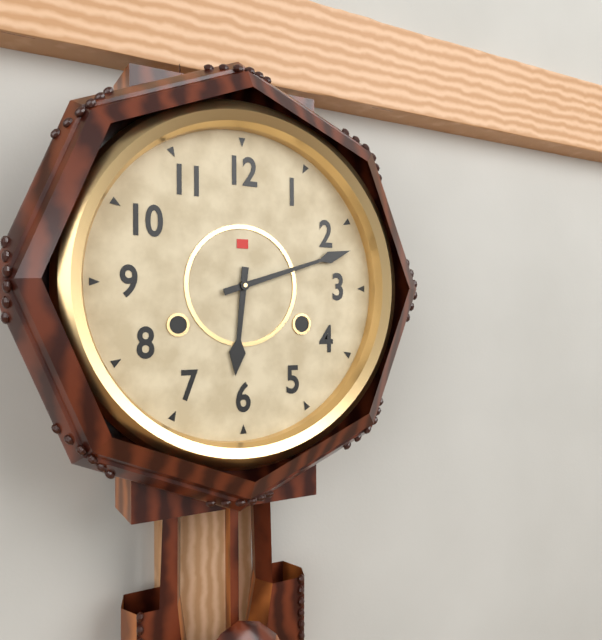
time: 6:12
